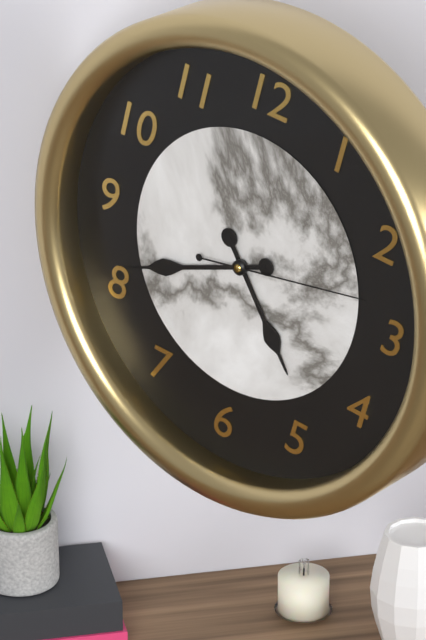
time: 4:41:13
